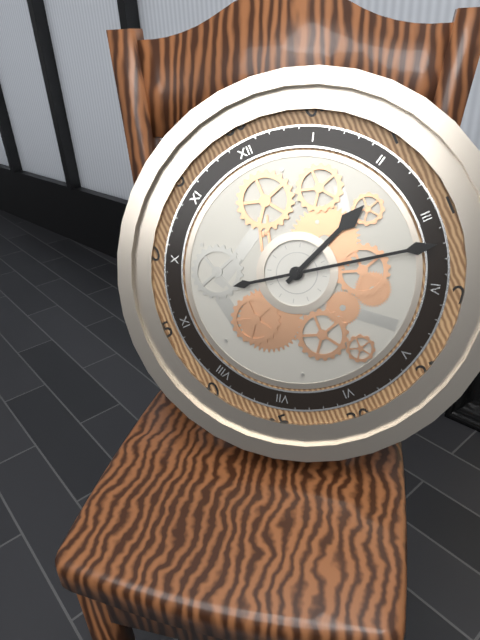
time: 2:17
